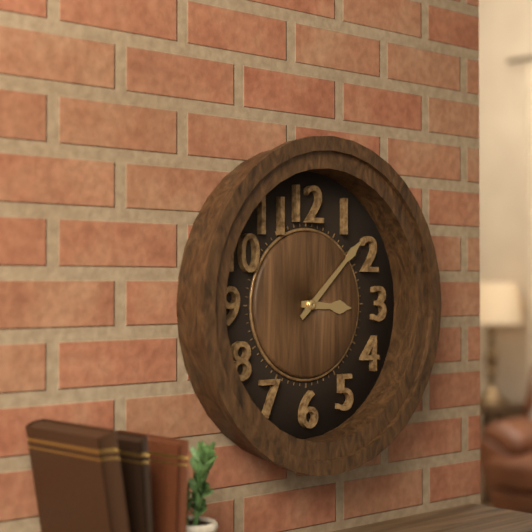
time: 3:08
